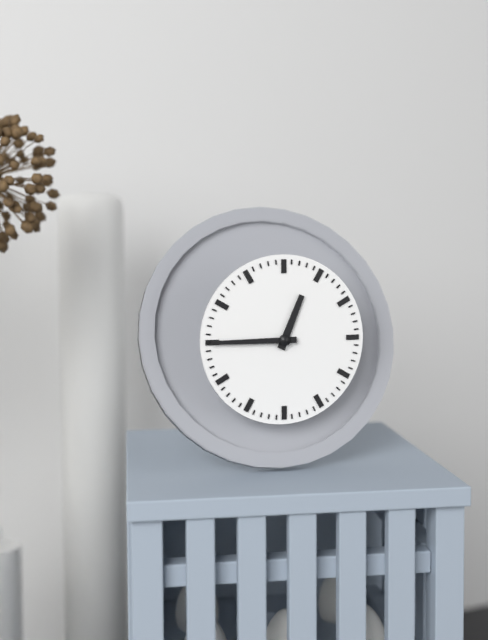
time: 12:45
